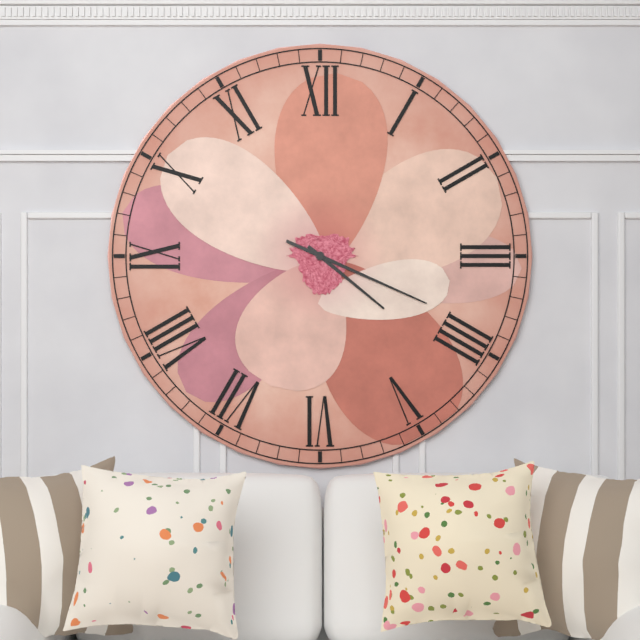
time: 4:19
